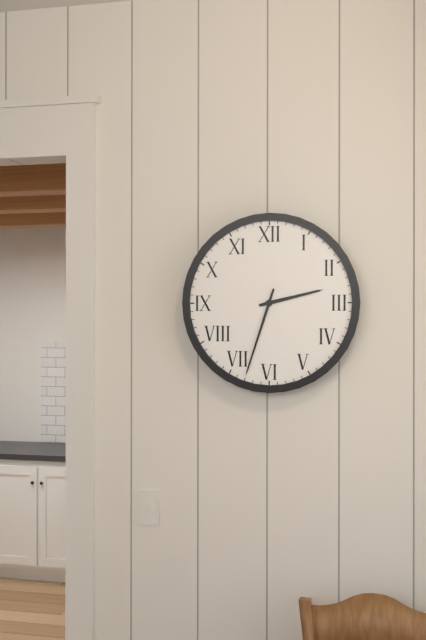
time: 2:33
